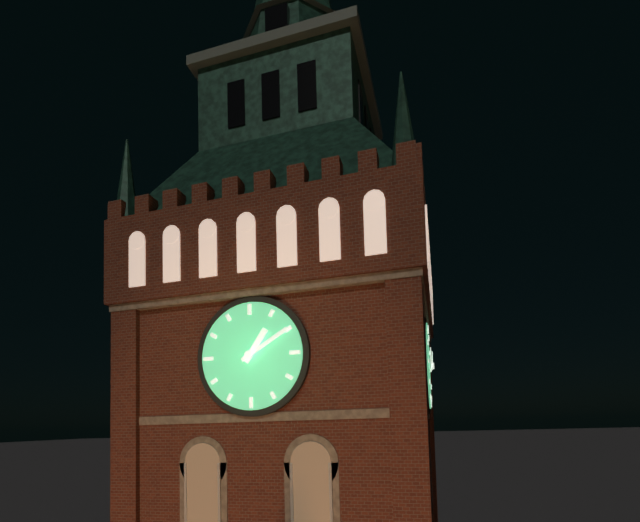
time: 1:10
